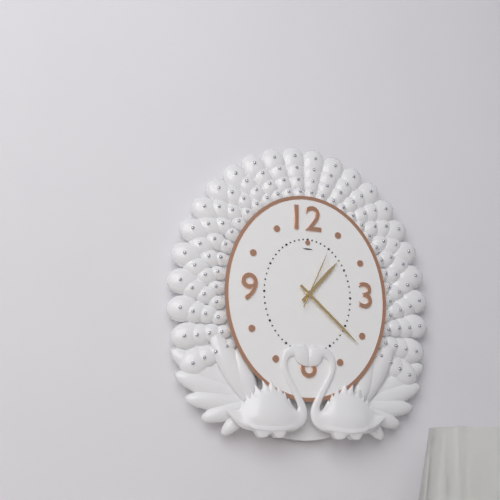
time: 1:22:04
